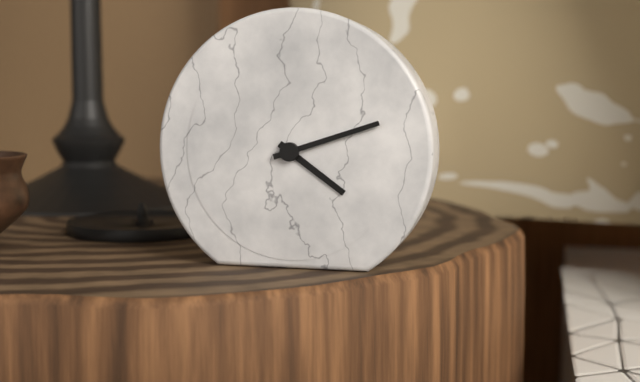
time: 4:12
